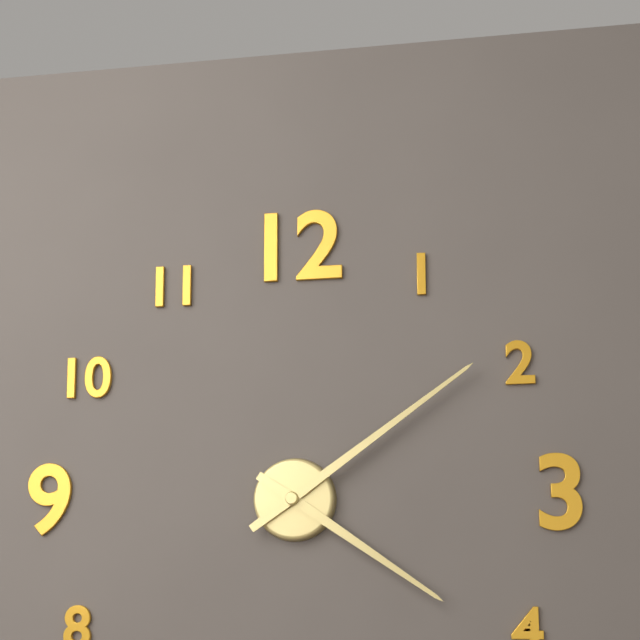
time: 4:09
